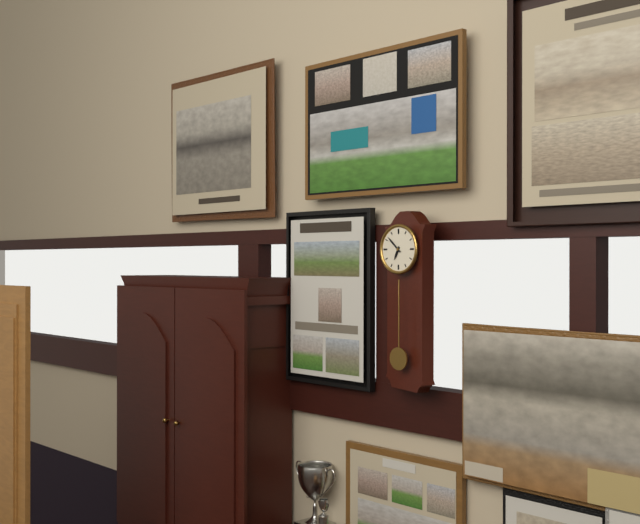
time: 6:52
